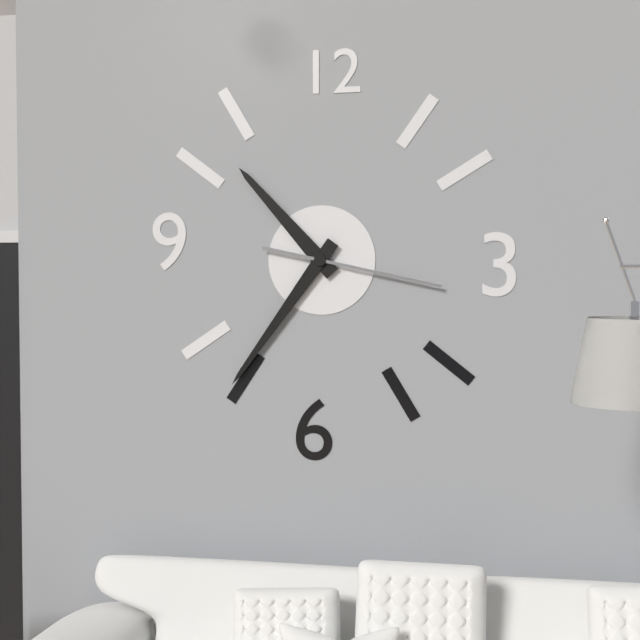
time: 10:36:17
